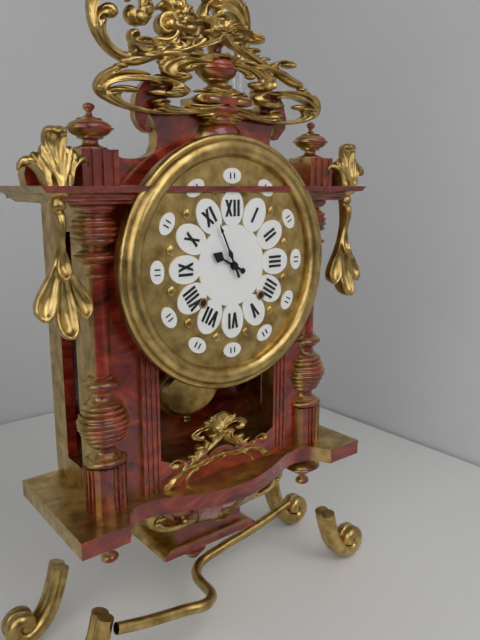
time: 9:56
